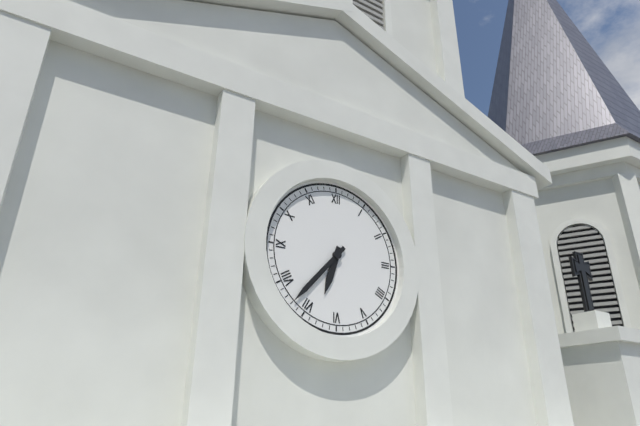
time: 6:37
